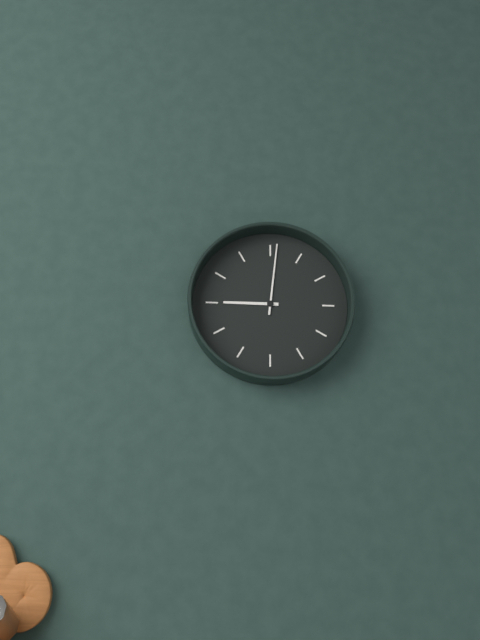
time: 9:01
